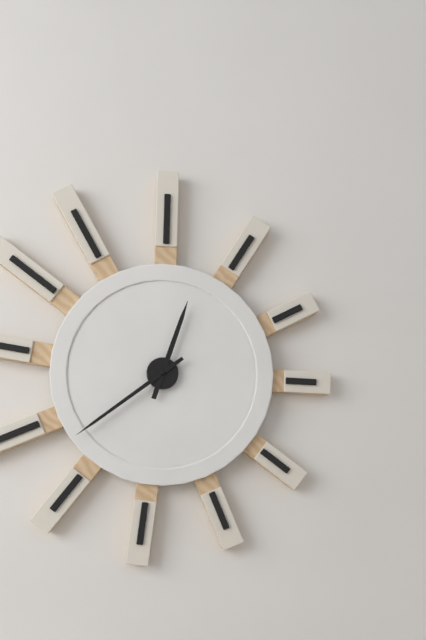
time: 12:39
